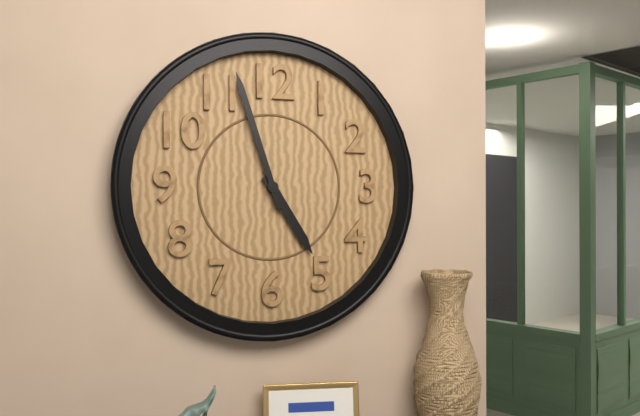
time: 4:57
